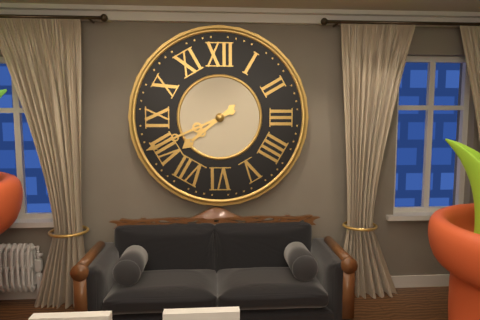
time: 7:41
